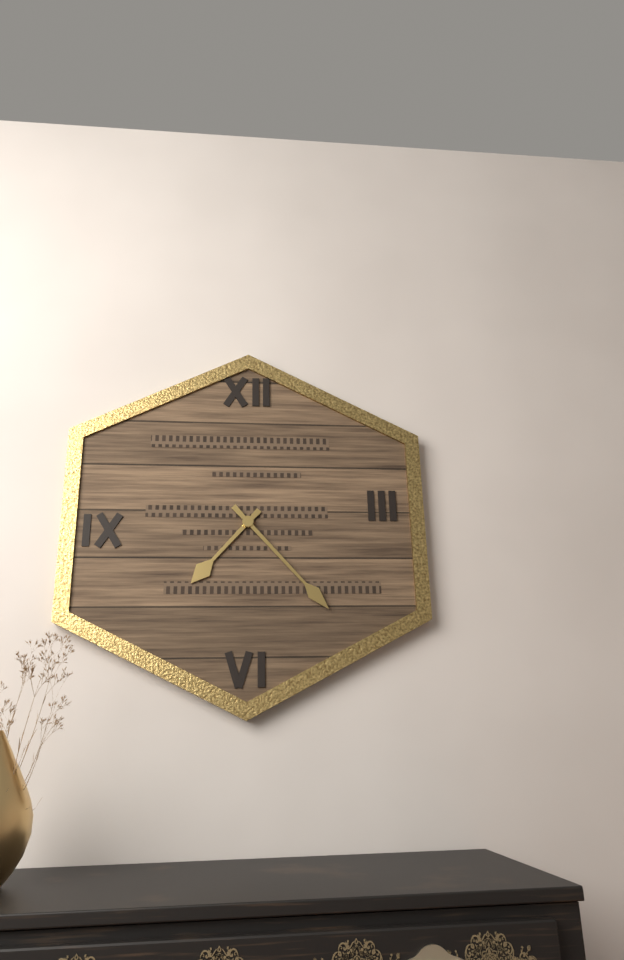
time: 7:23
